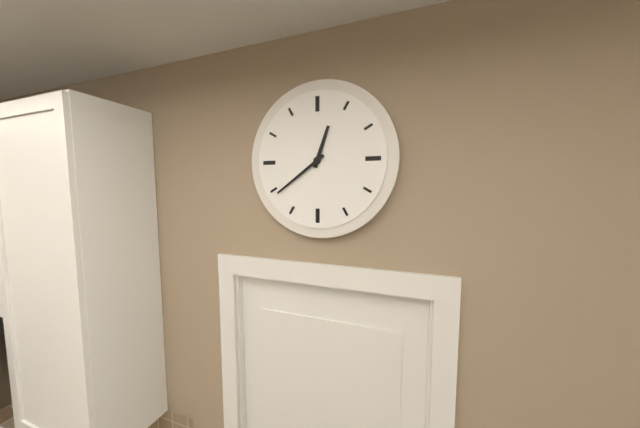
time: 12:39
